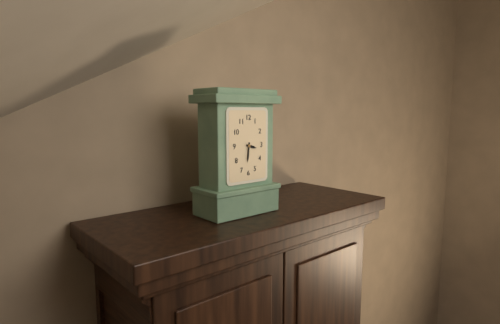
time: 3:31
